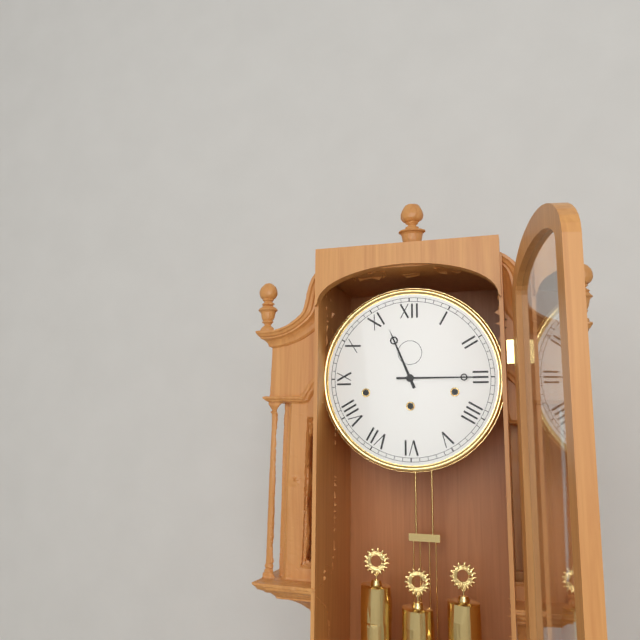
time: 11:15
